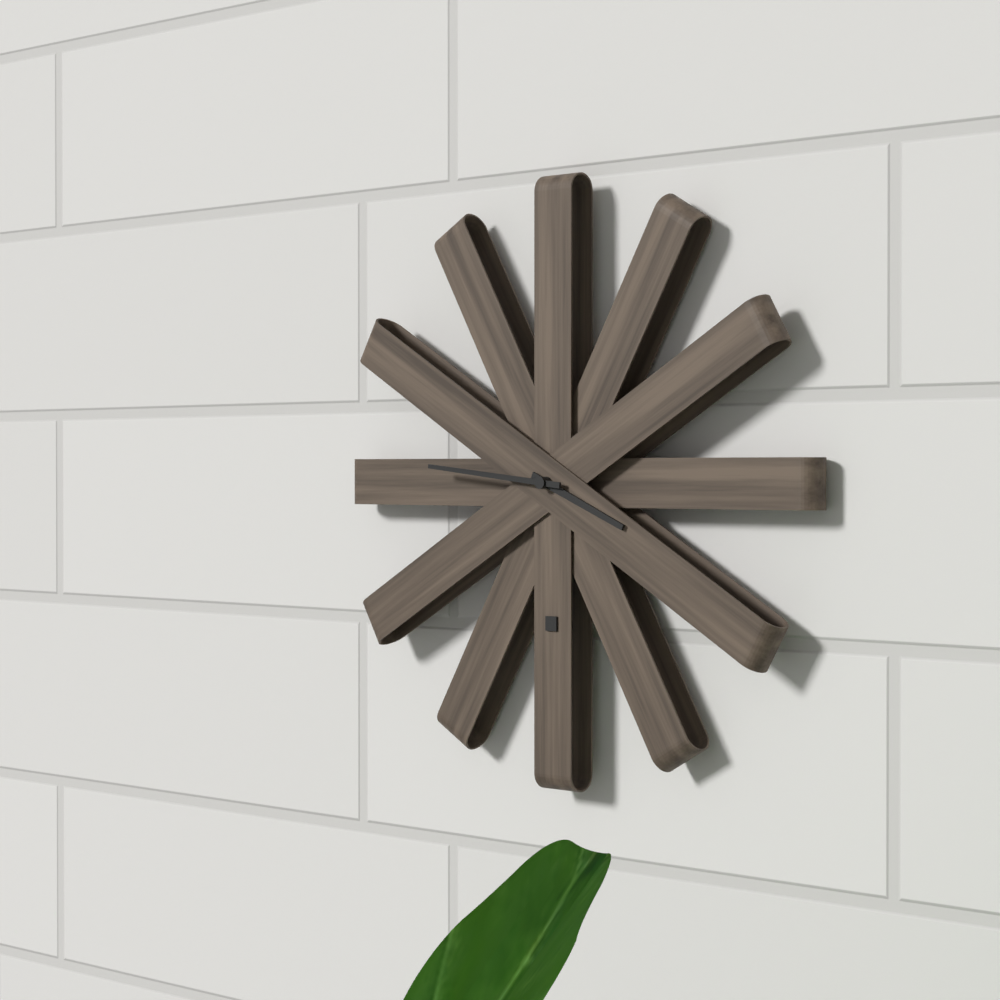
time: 3:46
